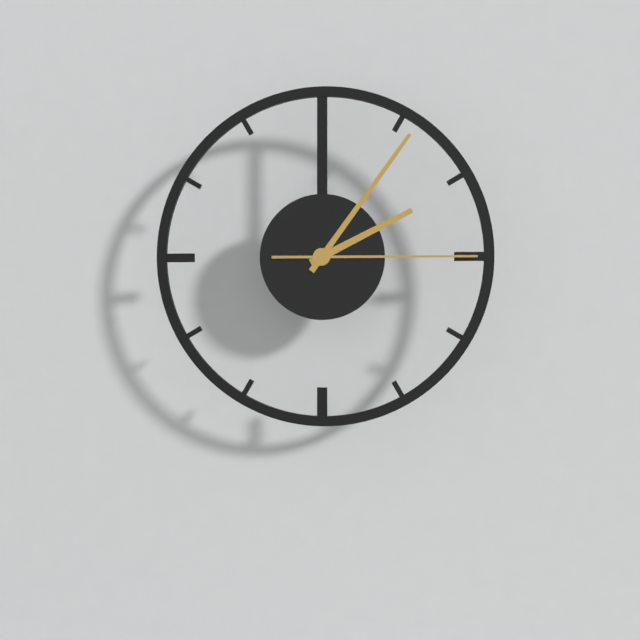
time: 2:06:15
